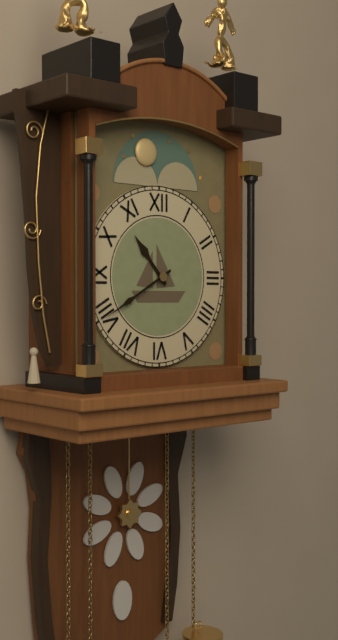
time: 10:40
